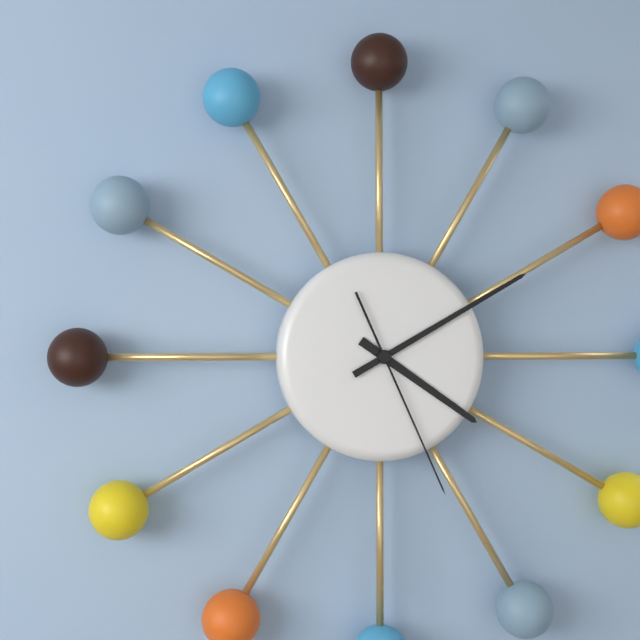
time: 4:10:26
